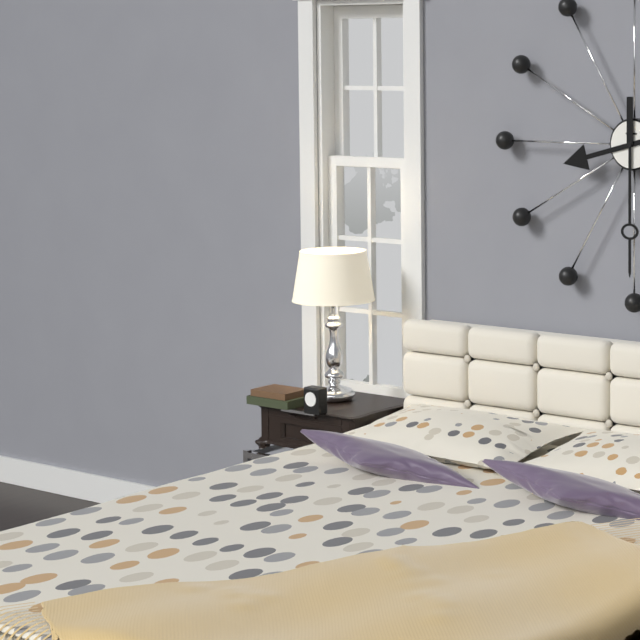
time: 8:30
